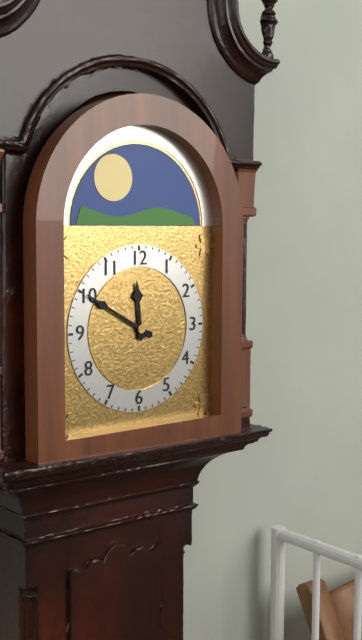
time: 11:50
